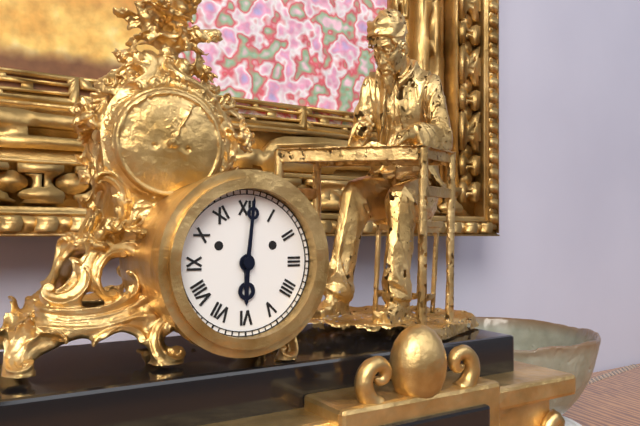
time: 6:01
